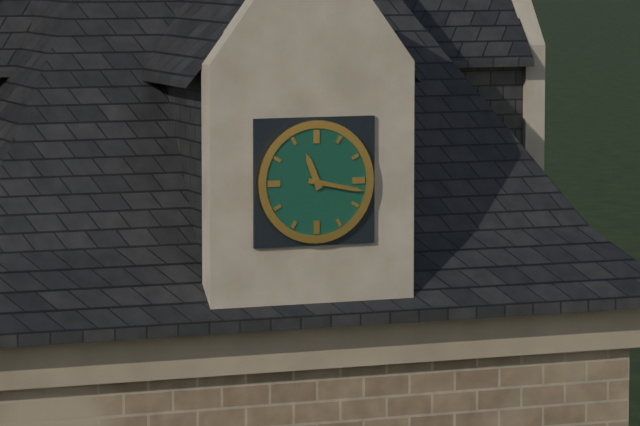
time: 11:17
